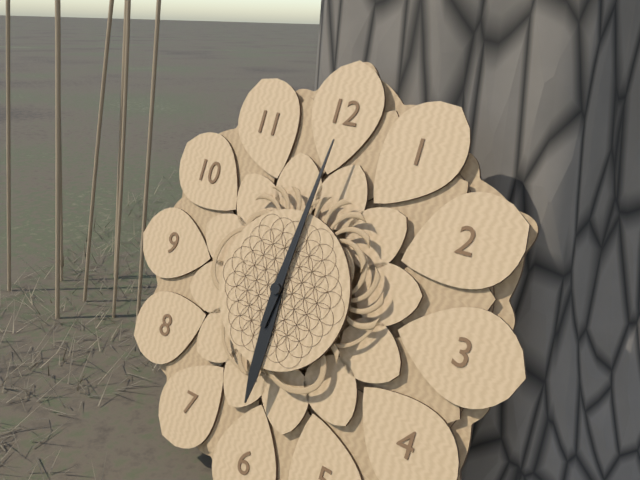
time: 6:01
